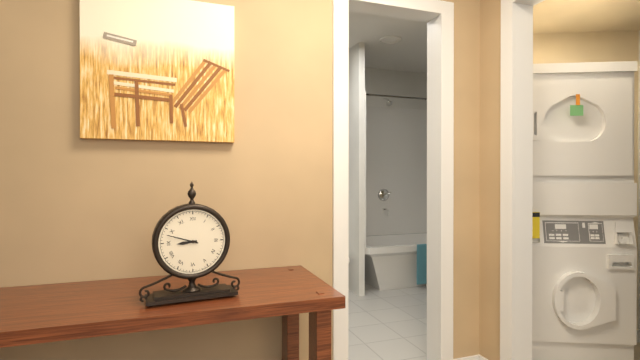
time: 8:48
